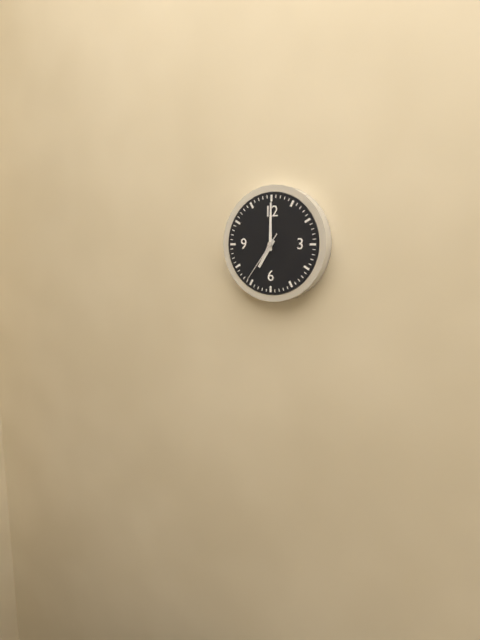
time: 7:00:36
